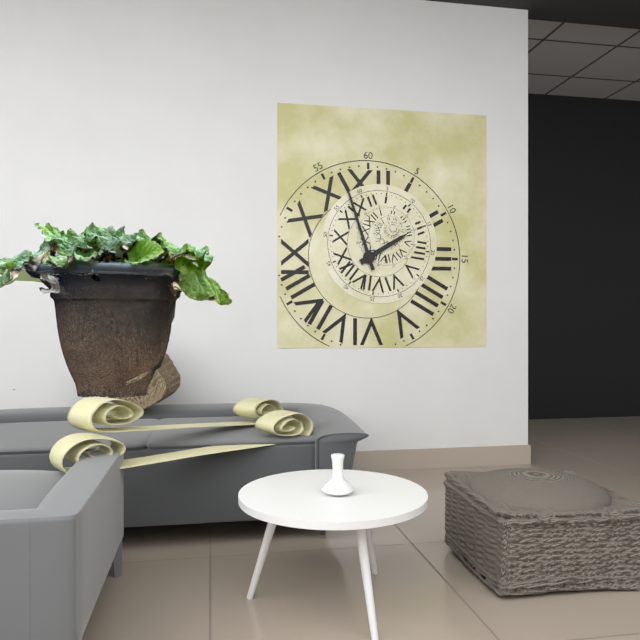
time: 1:57
